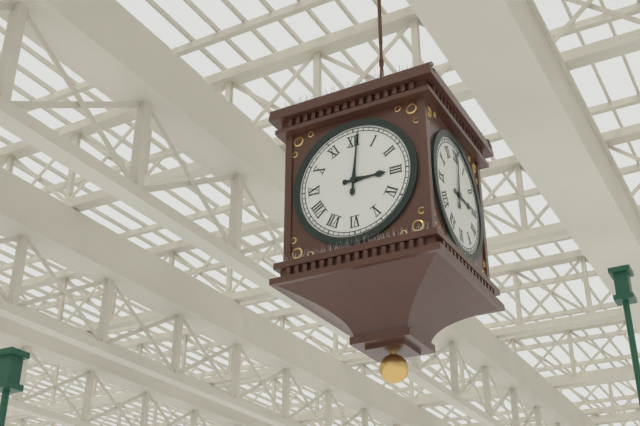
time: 3:01
